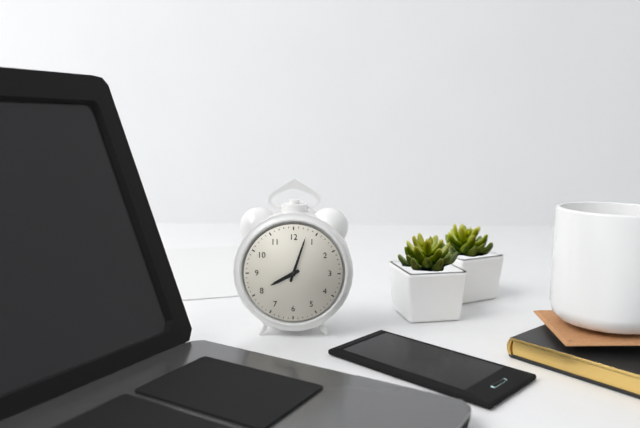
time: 8:03
